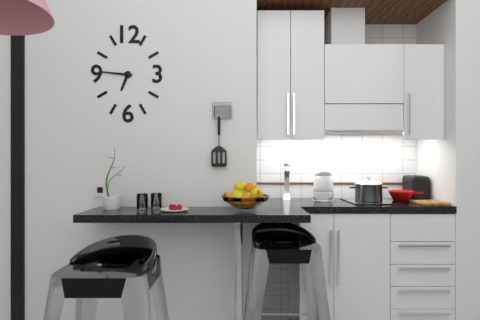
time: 6:46
